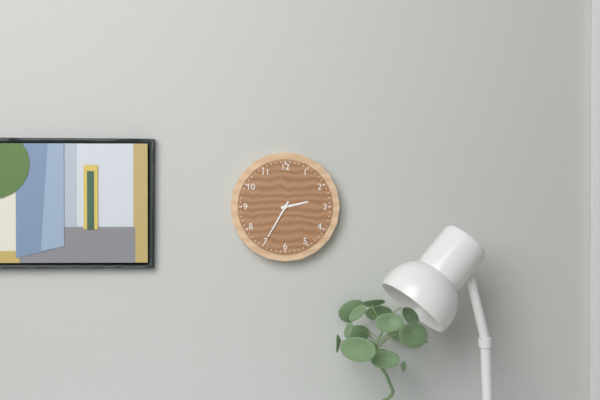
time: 2:35
